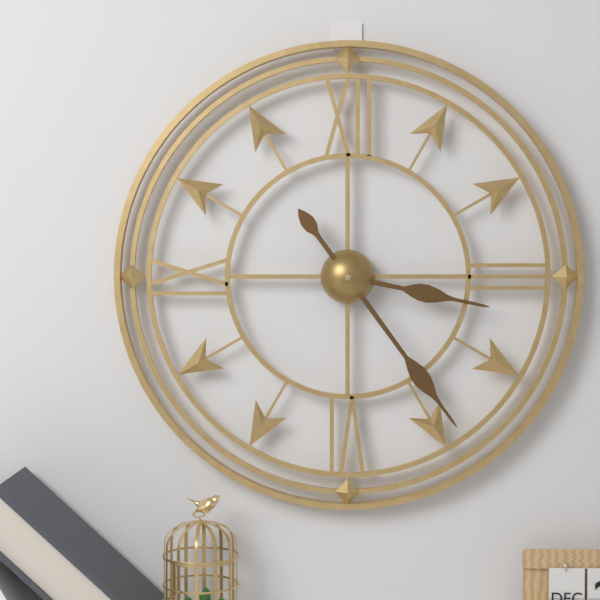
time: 3:24
